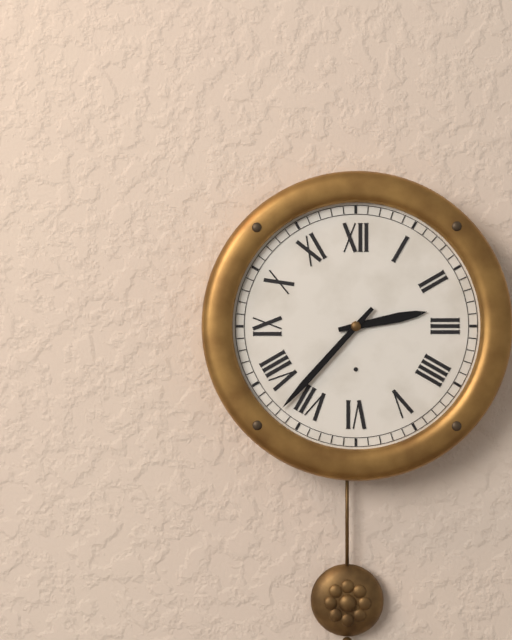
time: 2:37
